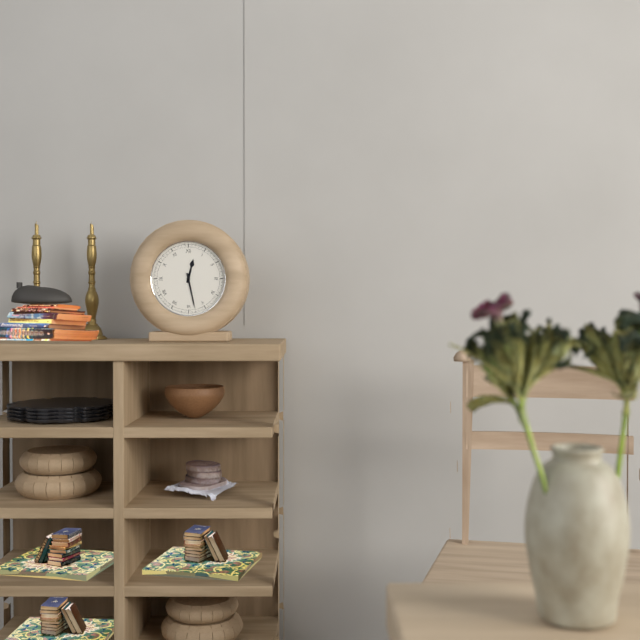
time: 12:28
